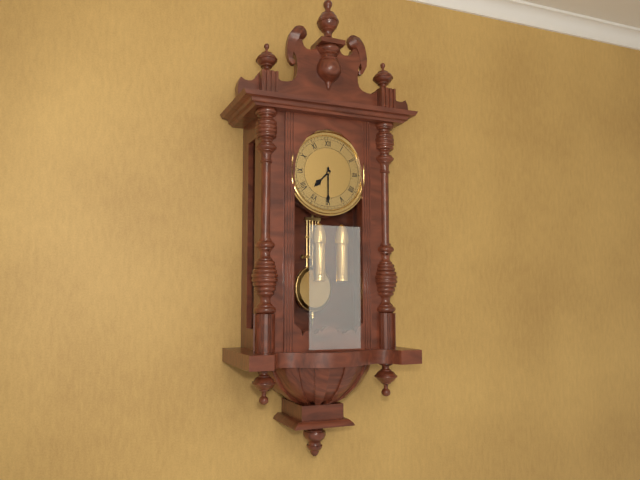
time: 7:30
